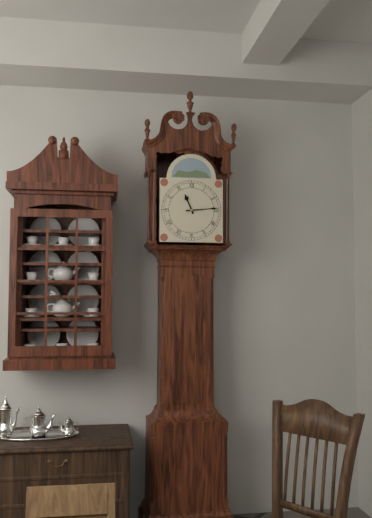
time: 11:14
